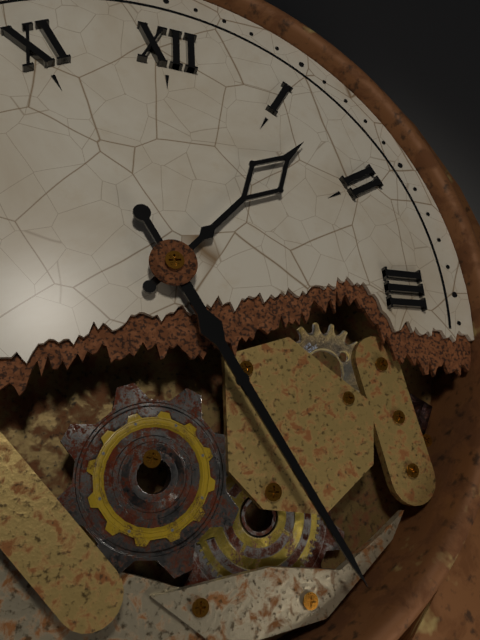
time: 1:25
